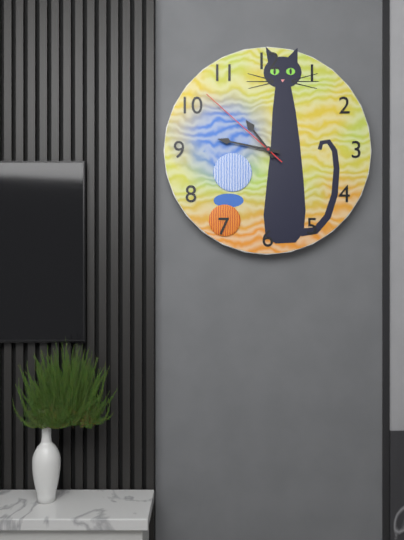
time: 10:47:52
